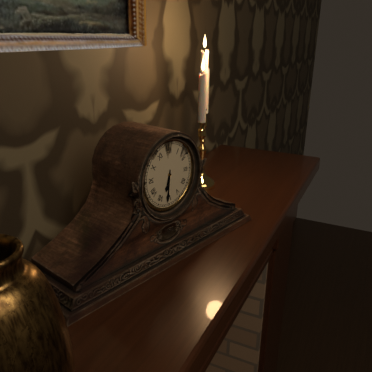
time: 6:31
